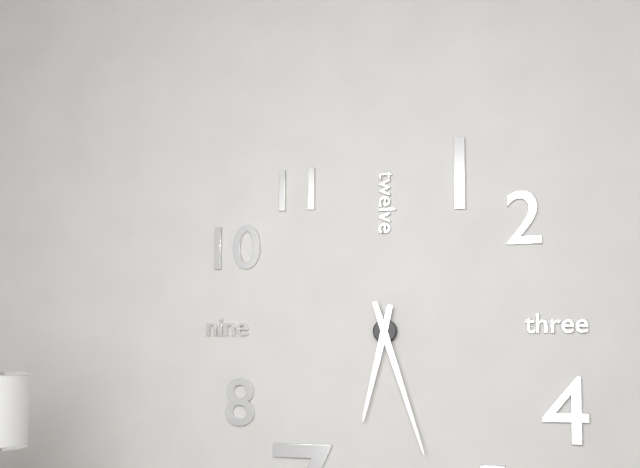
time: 6:27
